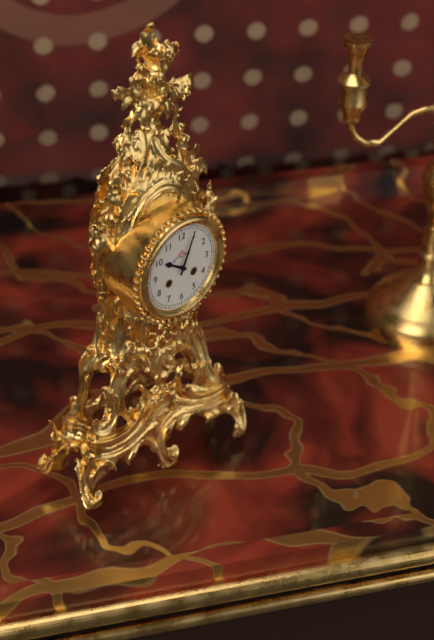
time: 10:04
